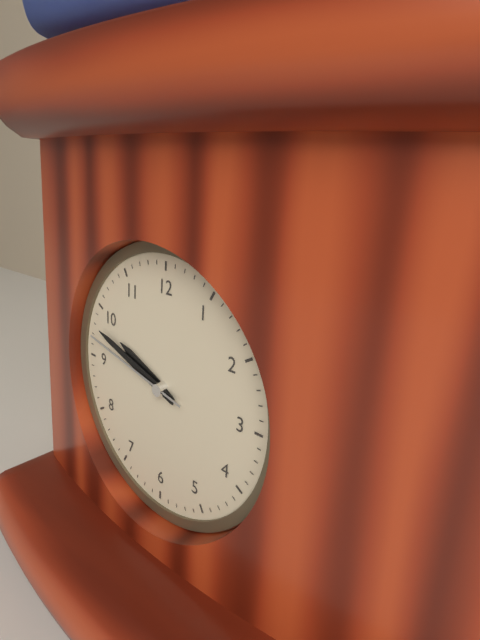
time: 9:48:47
